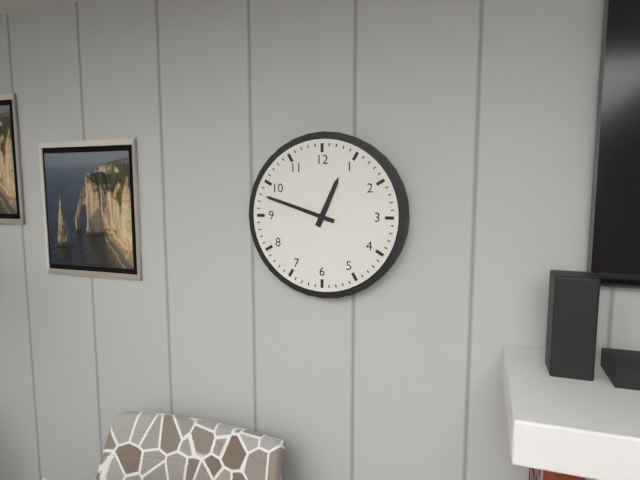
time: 12:48
